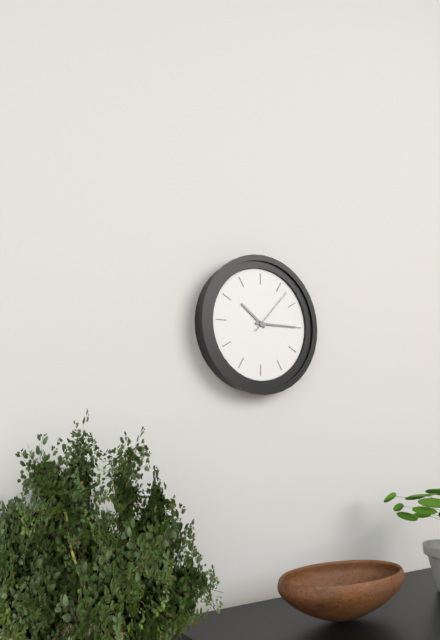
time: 10:15:07
